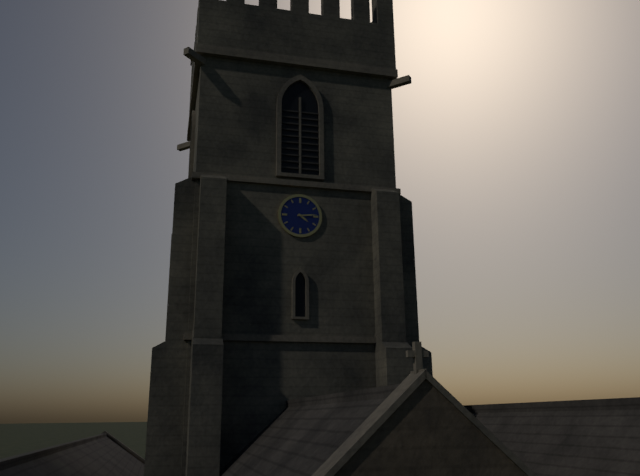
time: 4:14
